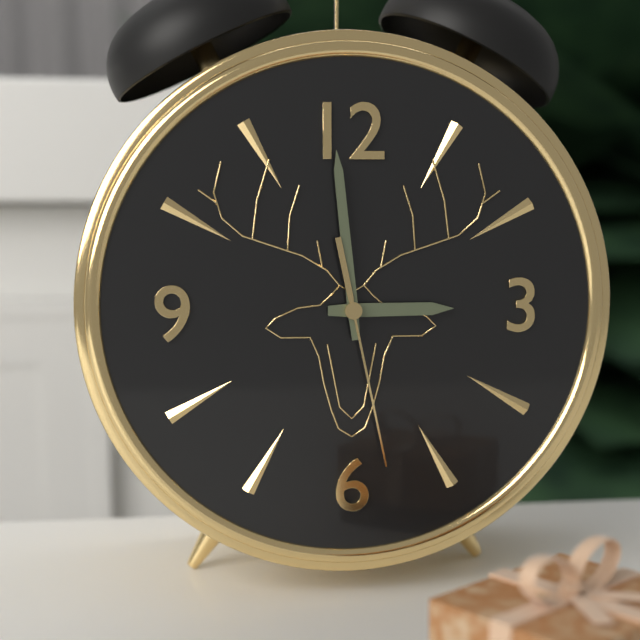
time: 2:59:28
